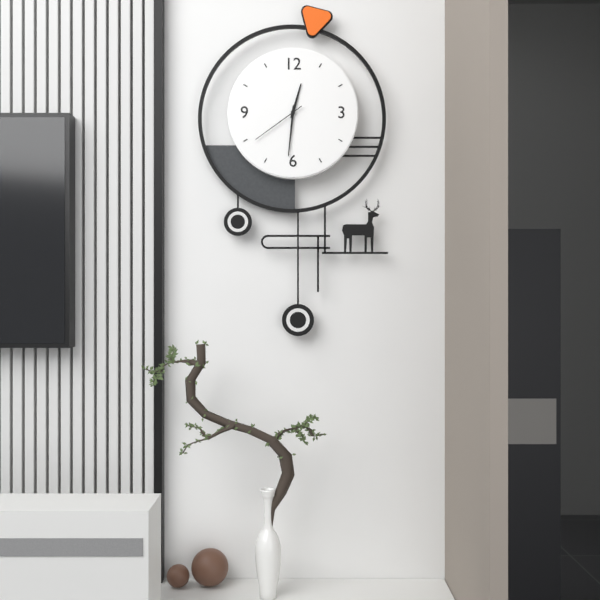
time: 12:31:39
